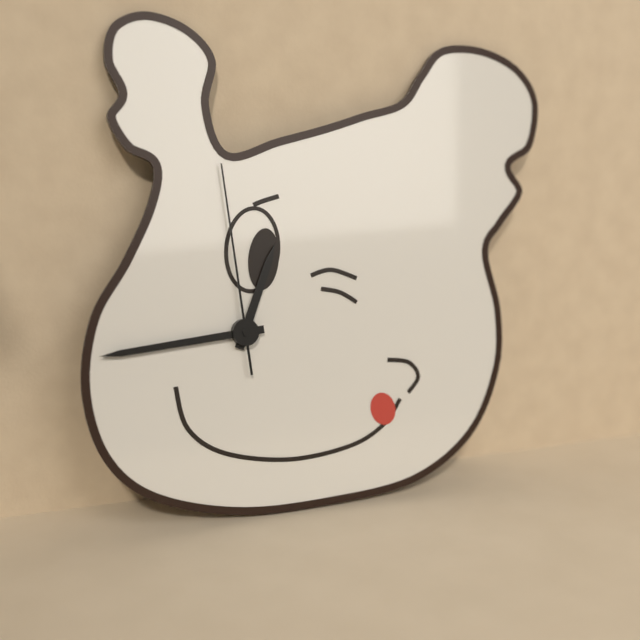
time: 12:44:59
